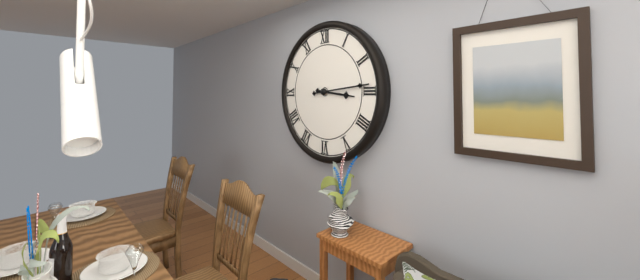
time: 3:14
